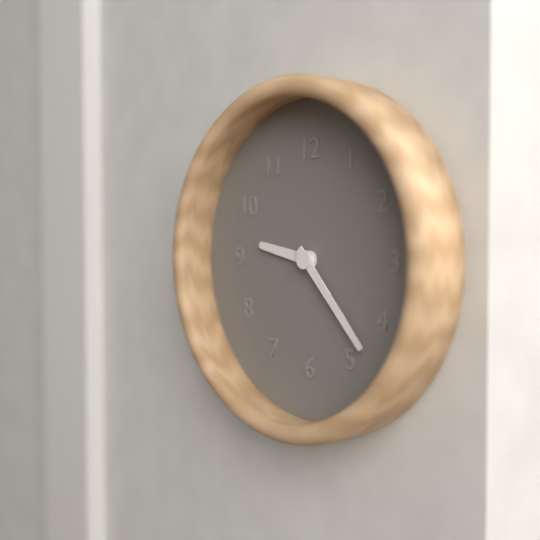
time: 9:23
